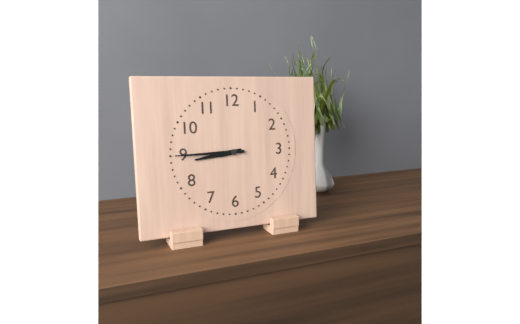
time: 8:45
